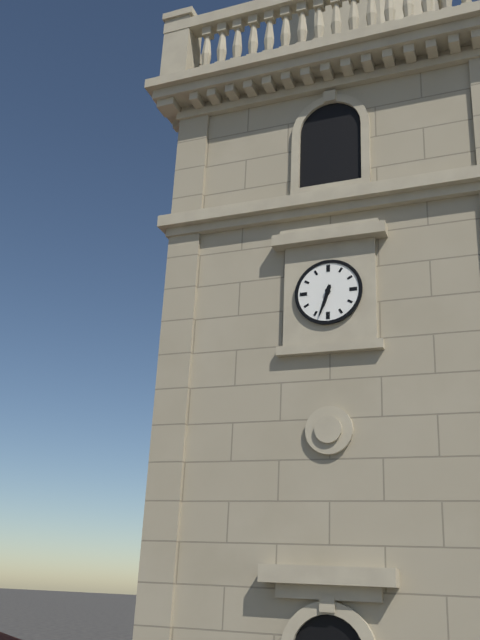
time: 6:33
